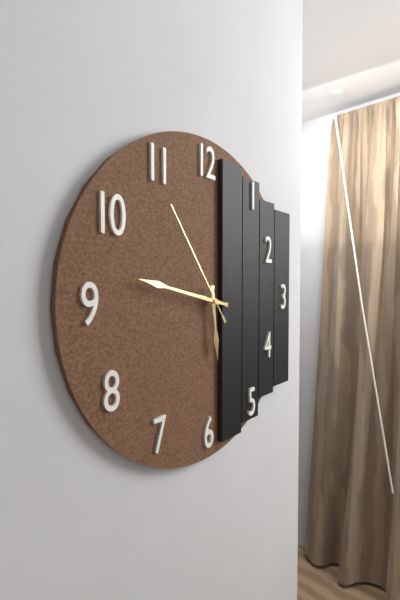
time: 5:47:54
